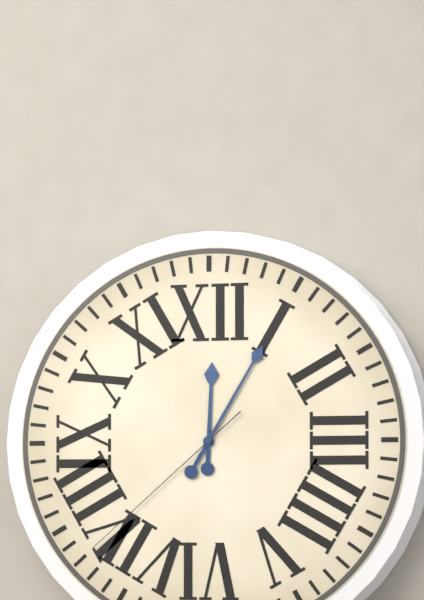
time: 12:05:38
